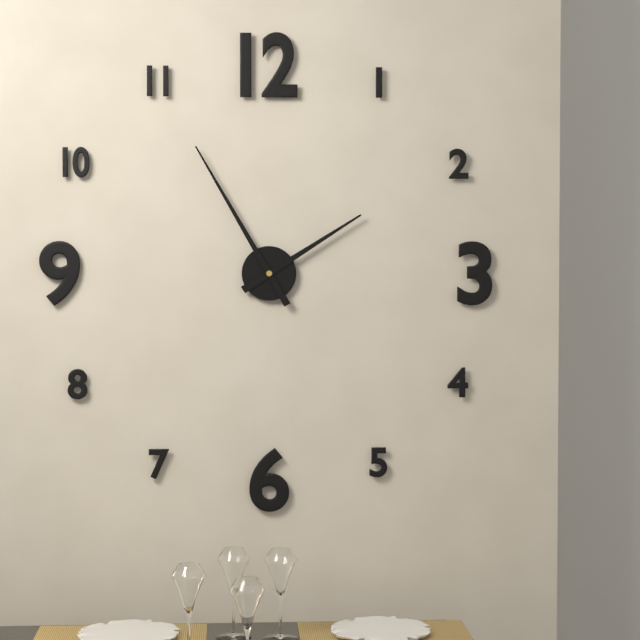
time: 1:55
